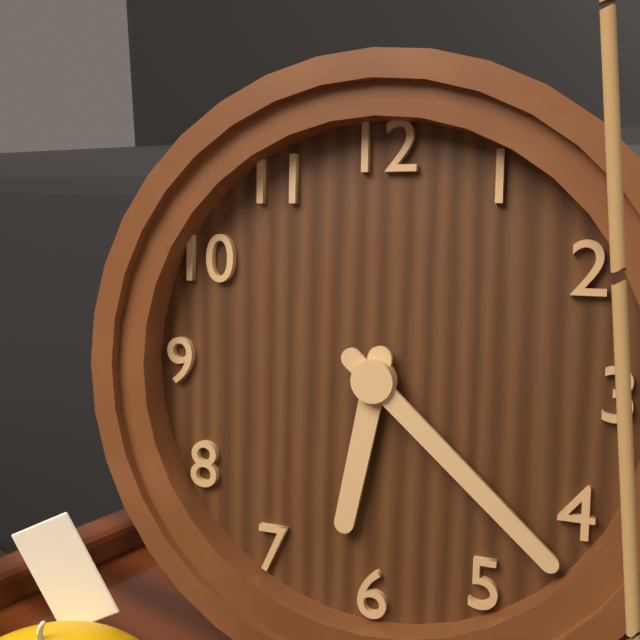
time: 6:22
